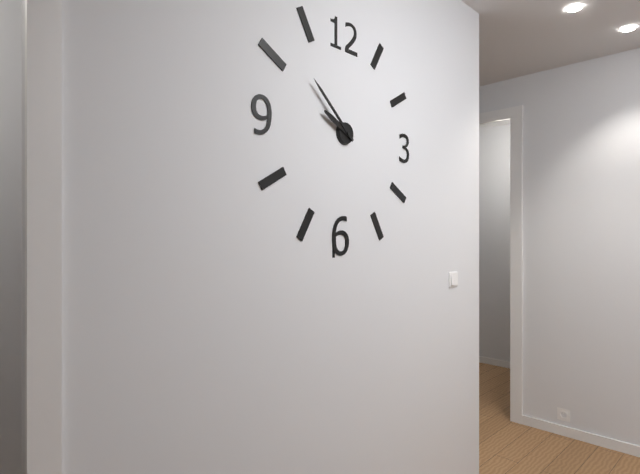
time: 9:52
